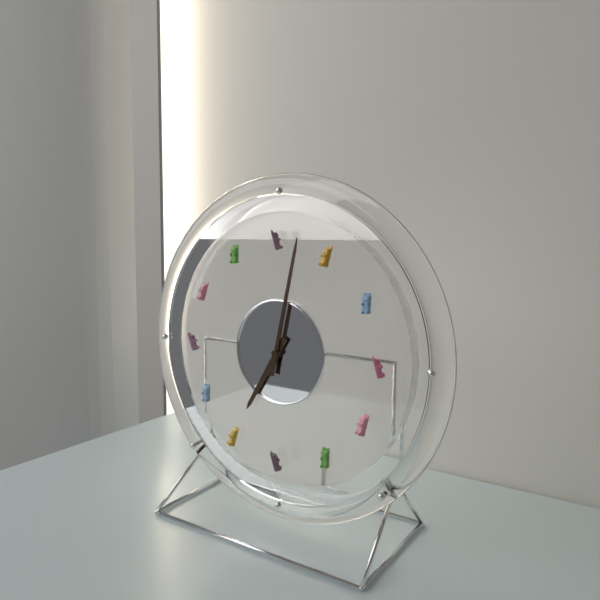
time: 7:02
